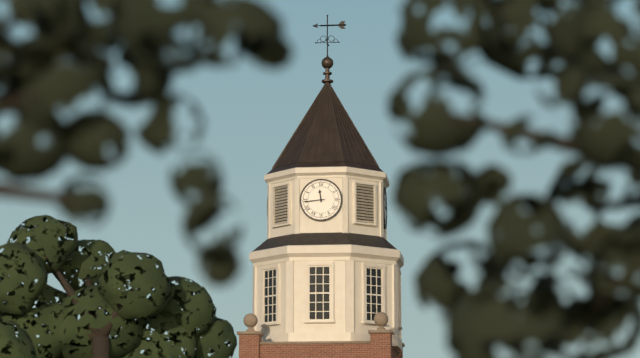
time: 11:44
